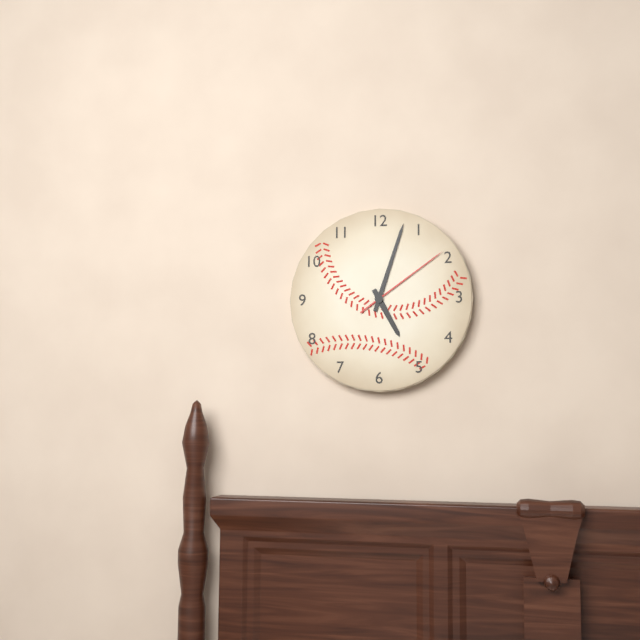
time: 5:03:09
